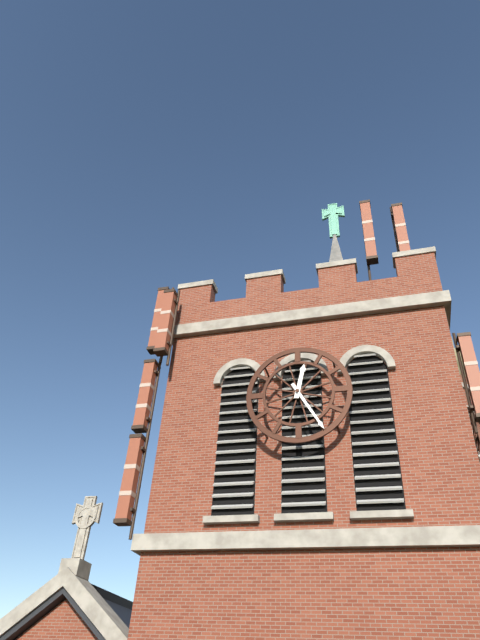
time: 12:25
